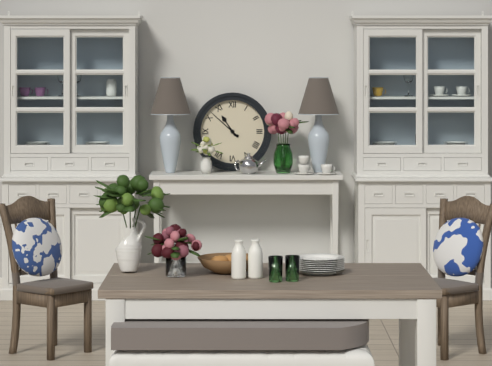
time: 10:52
